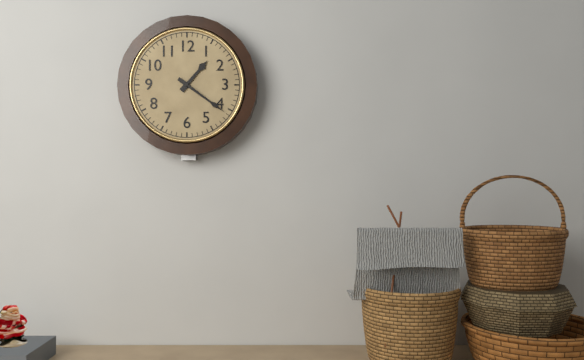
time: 1:21
